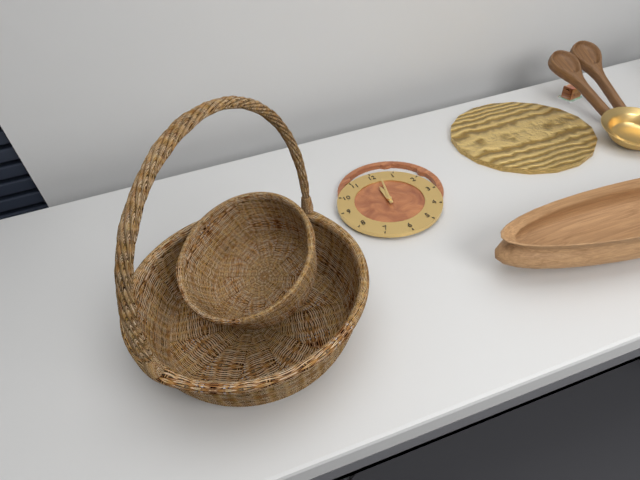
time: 12:02
